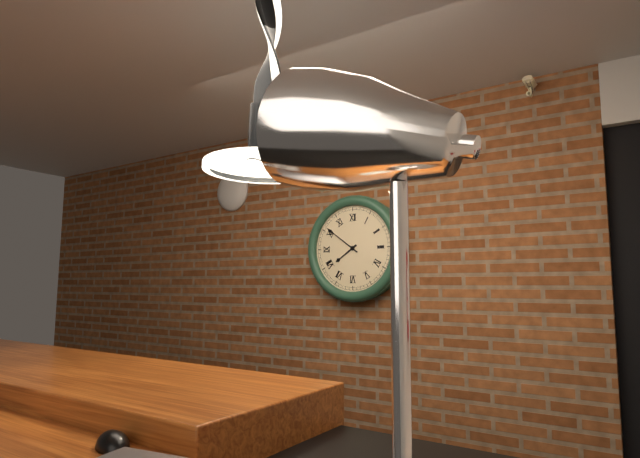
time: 7:51
